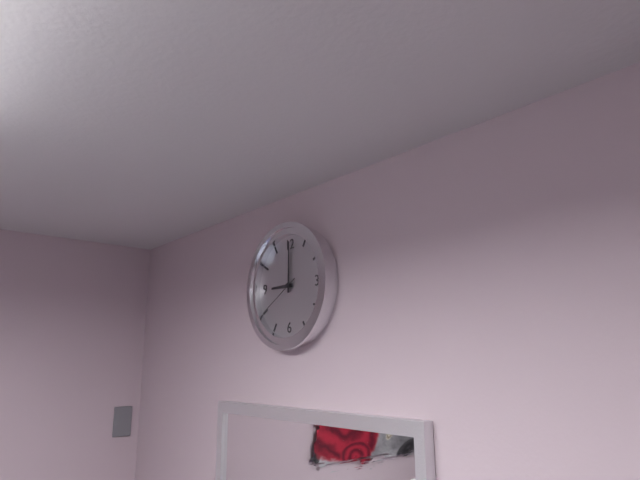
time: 9:00
